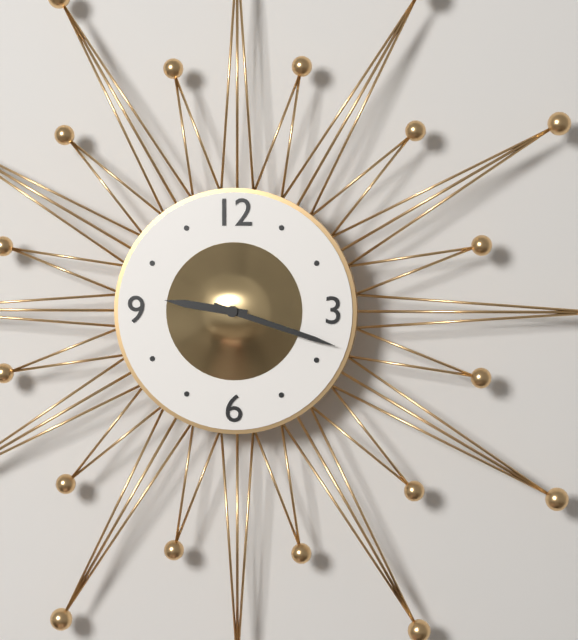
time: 9:18
